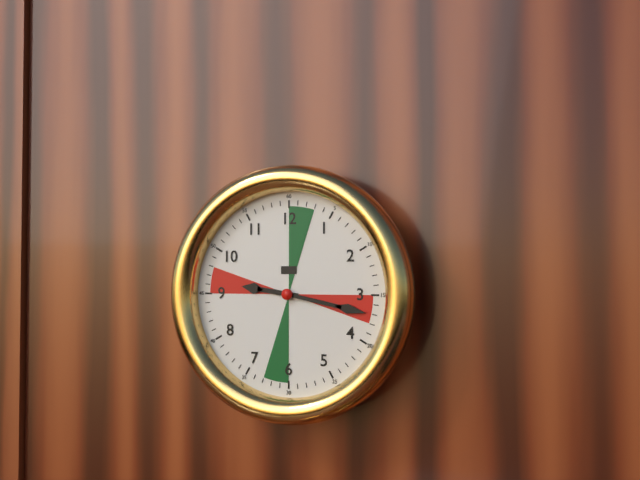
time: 9:17
